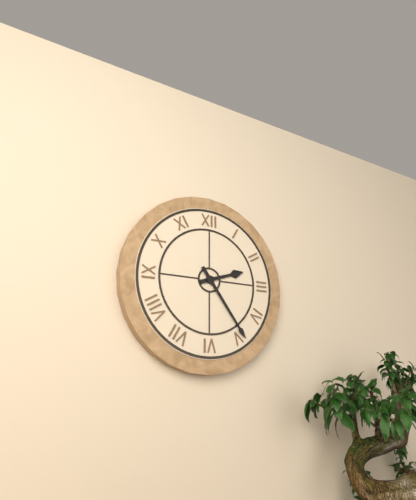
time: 2:24
